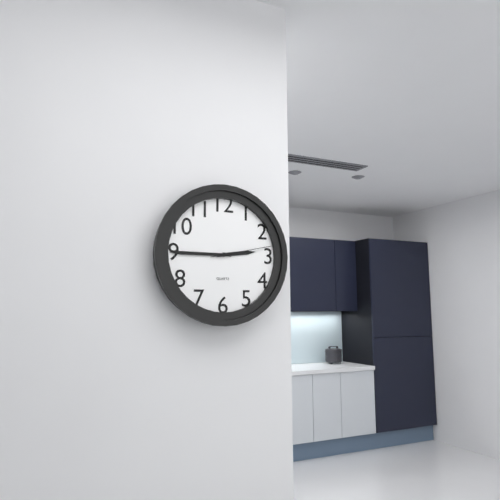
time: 2:45:13
